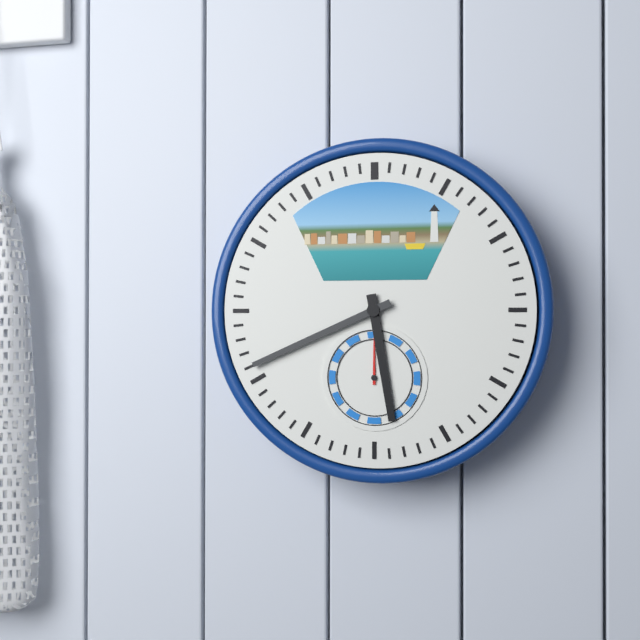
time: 5:41
